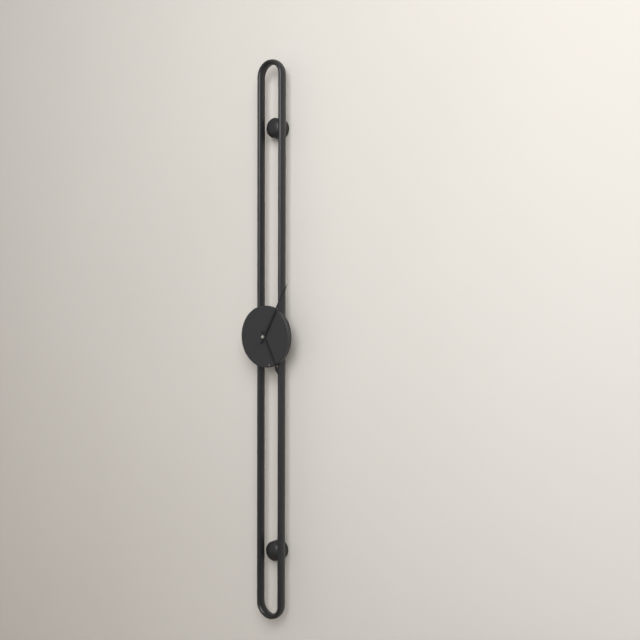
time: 5:05
